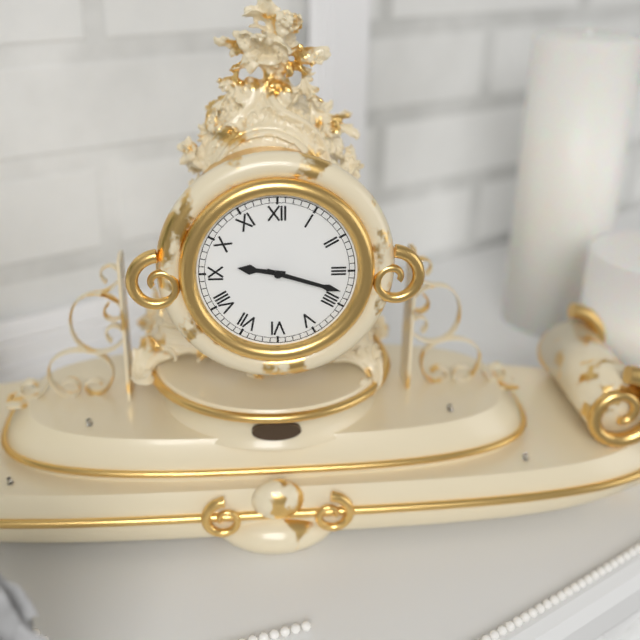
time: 9:18
